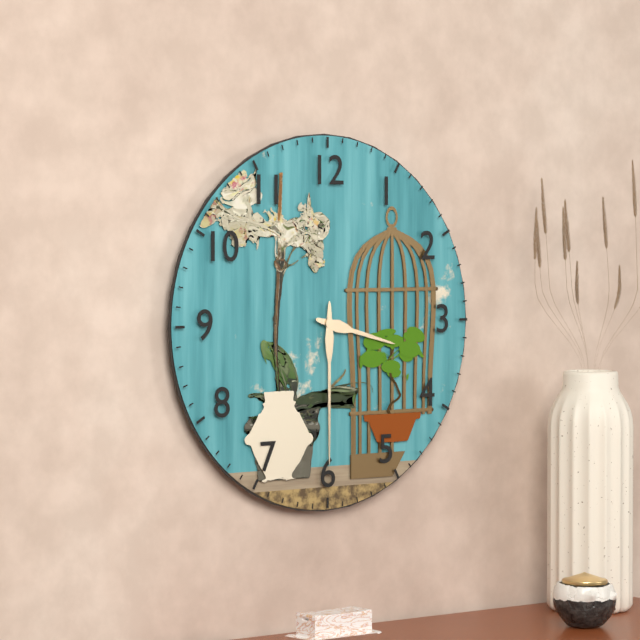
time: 3:30
